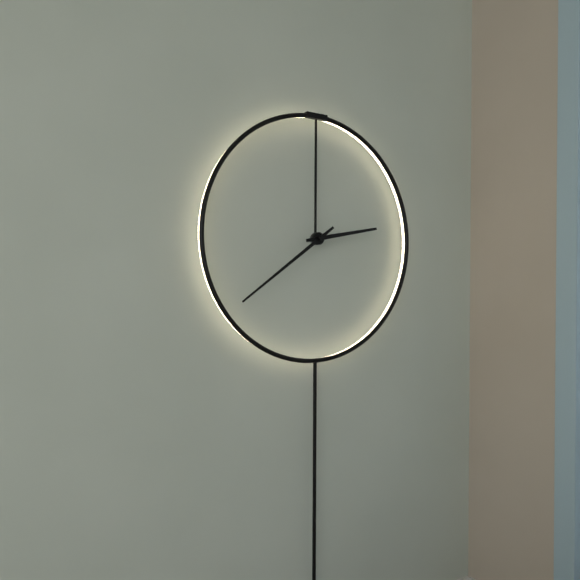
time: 2:39
